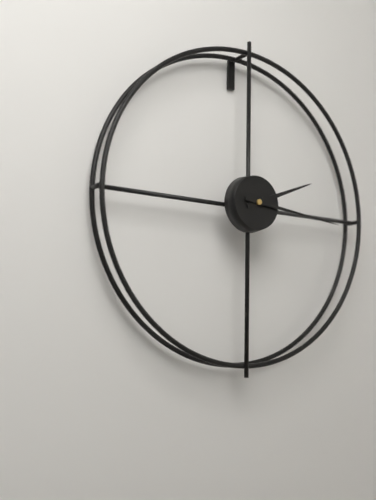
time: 2:16
